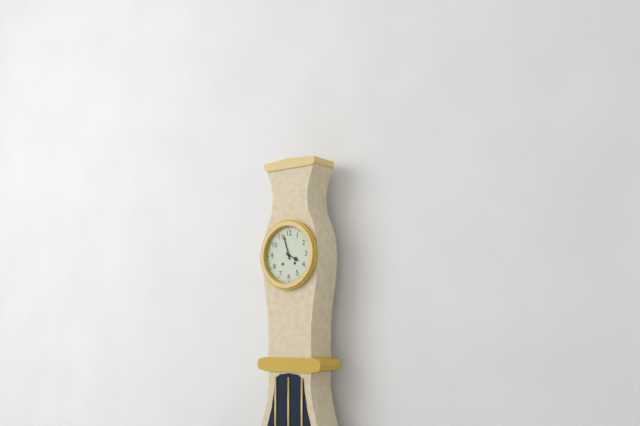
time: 3:57
